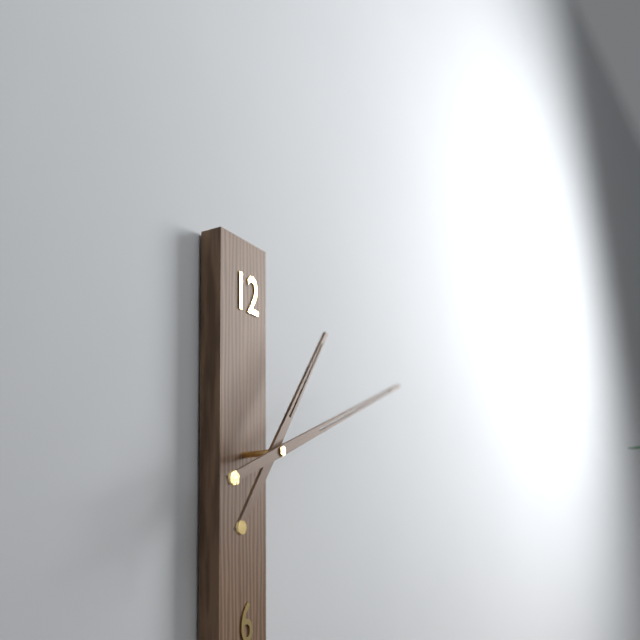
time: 1:11
